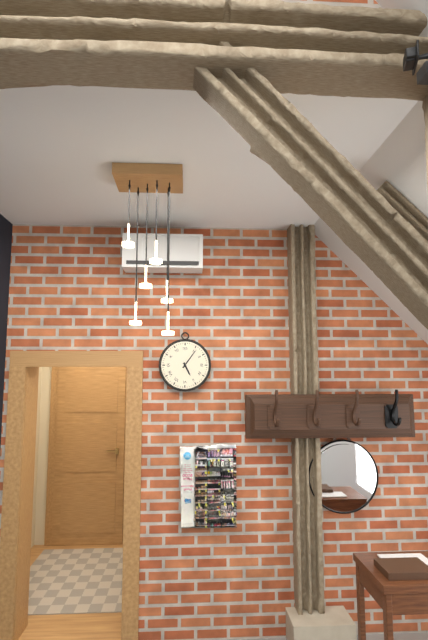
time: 5:06
